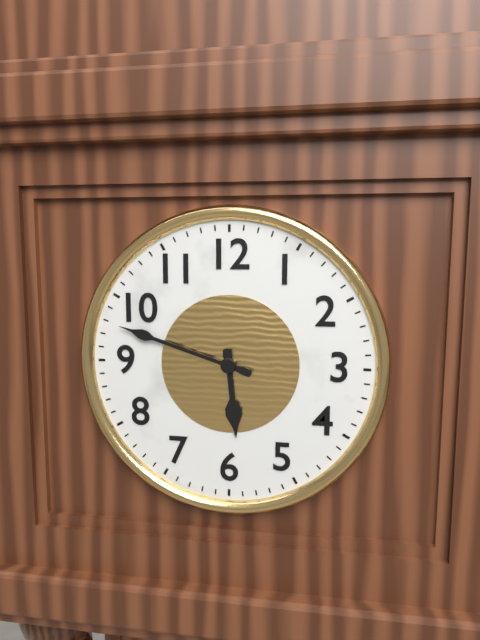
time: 5:48
